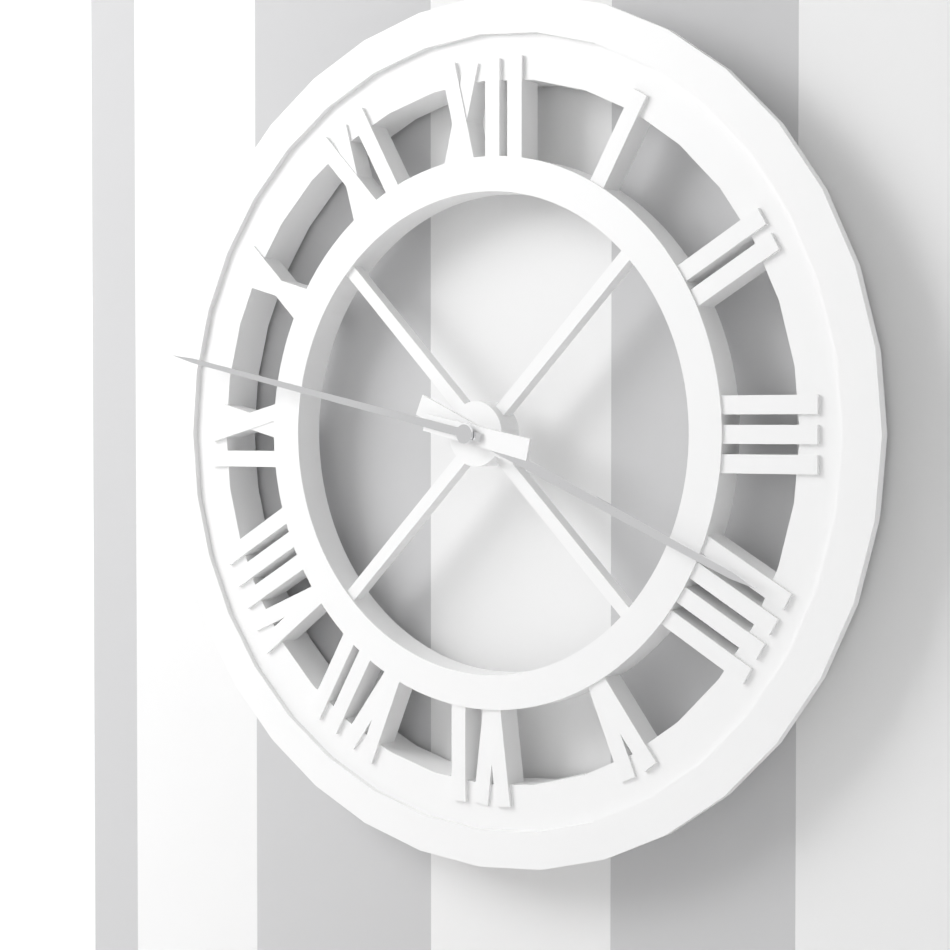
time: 3:47
